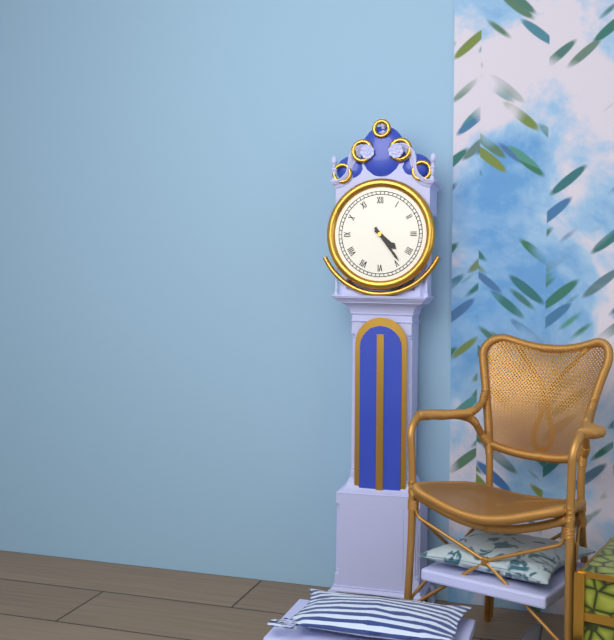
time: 4:24
